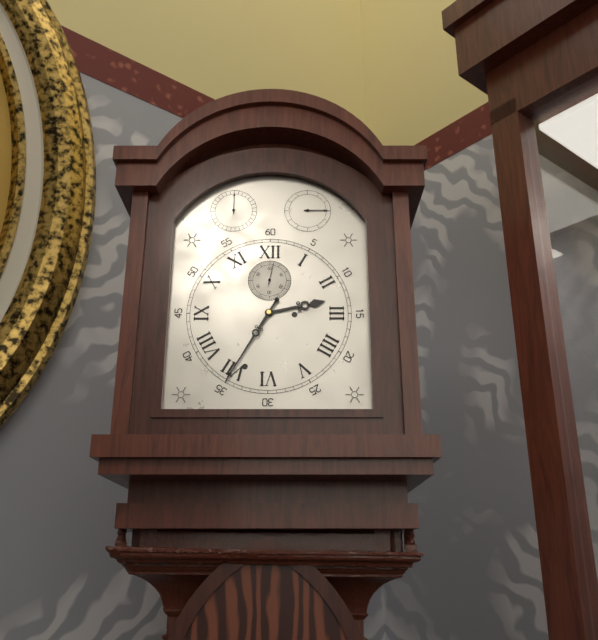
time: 2:35
